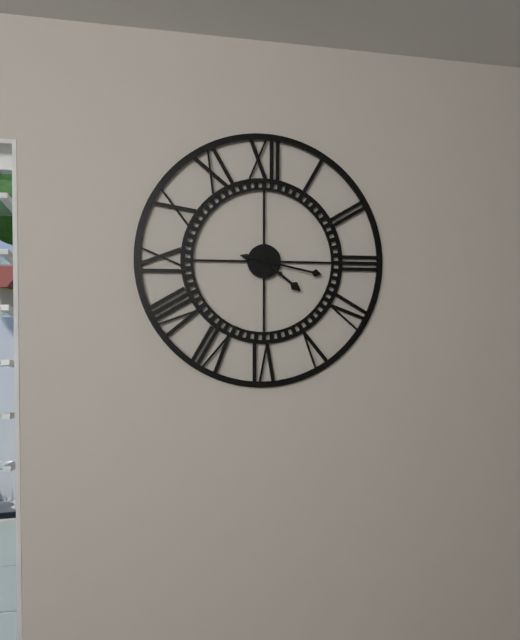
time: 4:17
